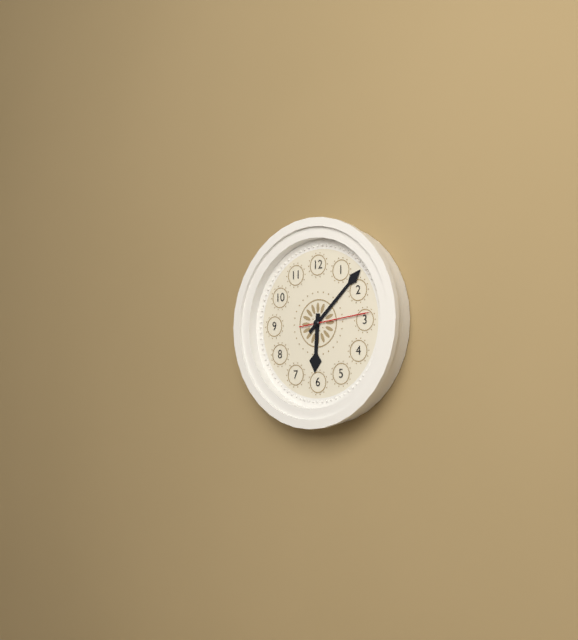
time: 6:08:14
